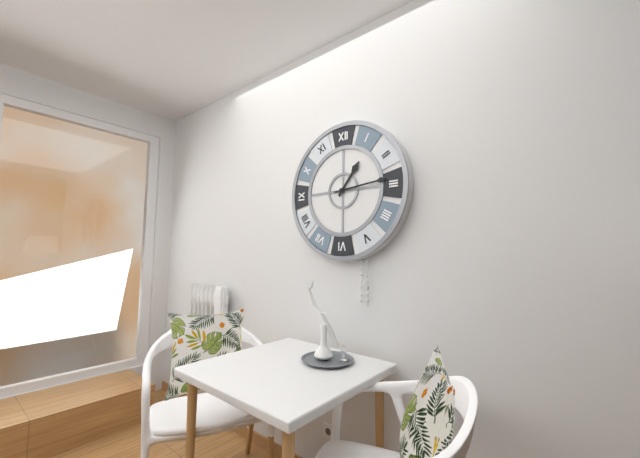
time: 1:14
